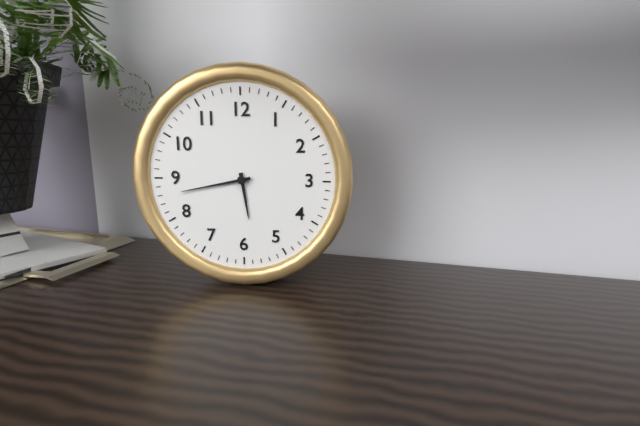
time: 5:43
